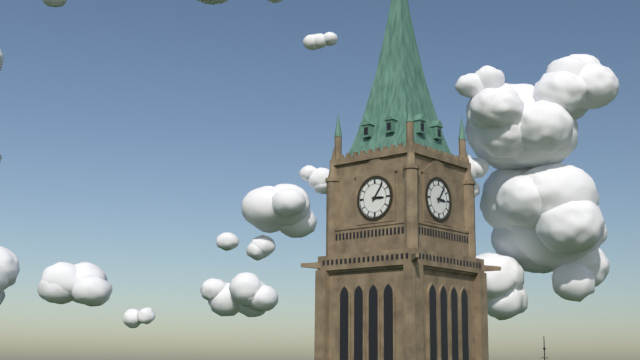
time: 3:06
